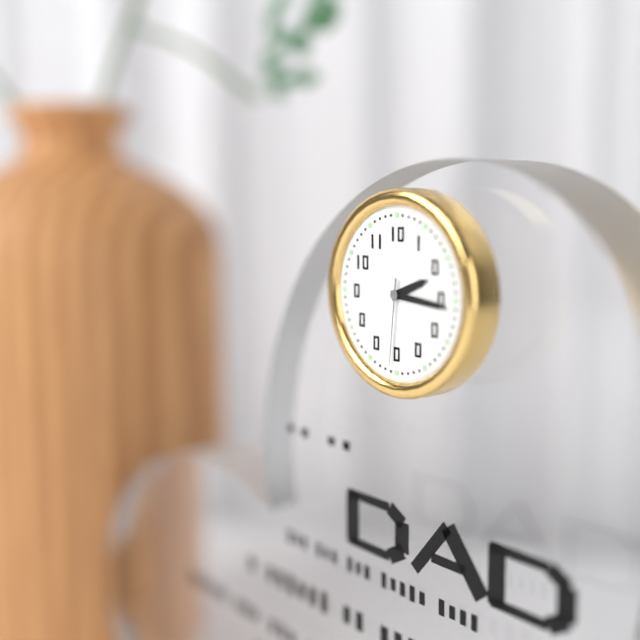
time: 2:16:31
